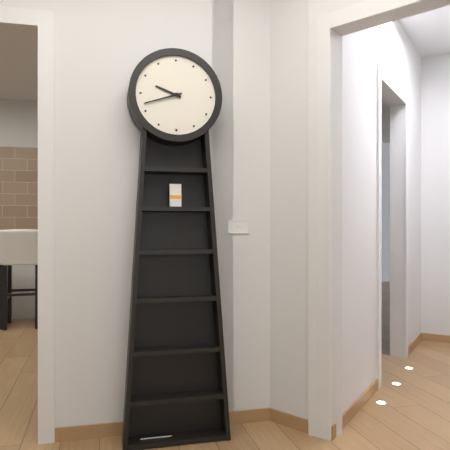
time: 9:42
